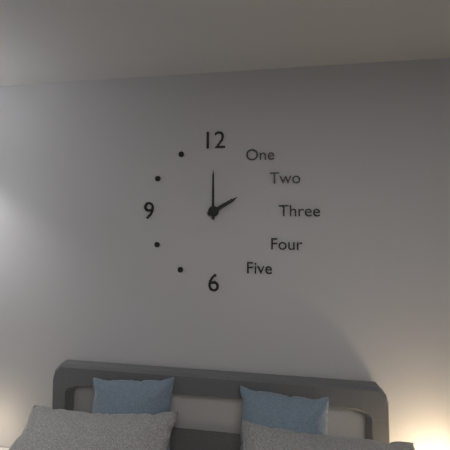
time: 2:00
